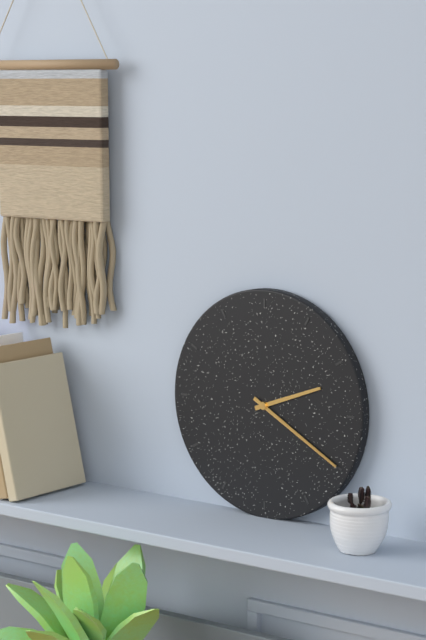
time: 2:20
